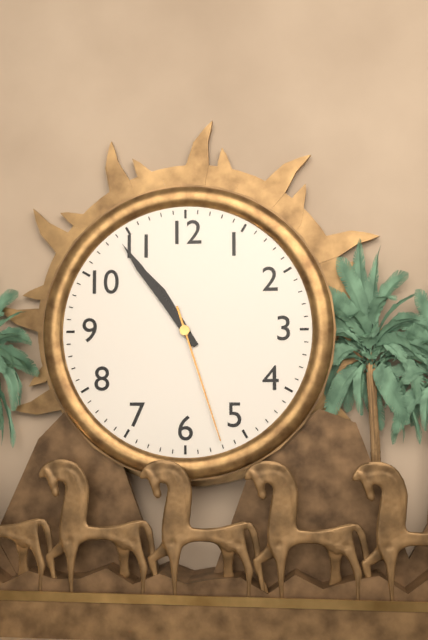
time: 10:54:27
